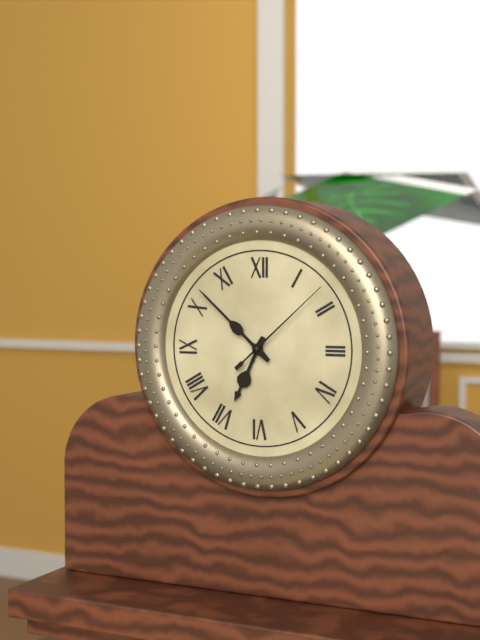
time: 6:52:08
